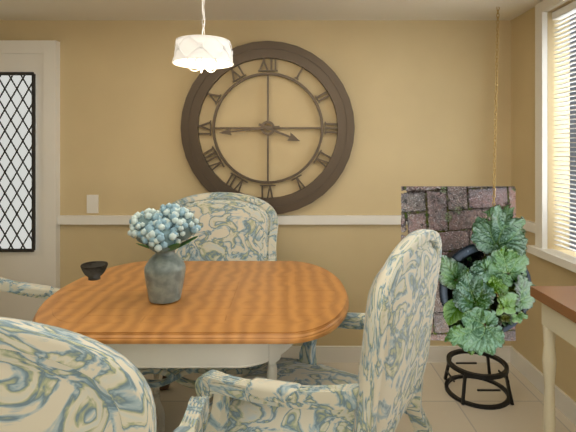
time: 3:44
